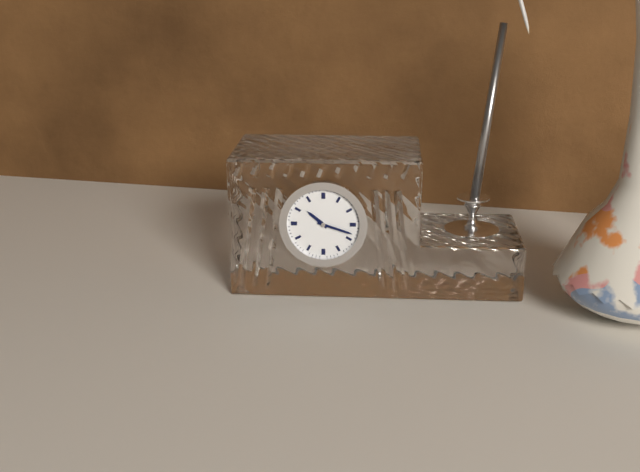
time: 10:18
